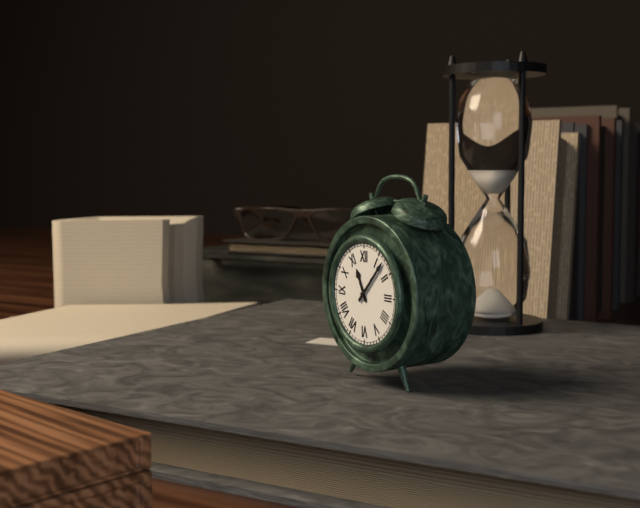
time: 11:07
